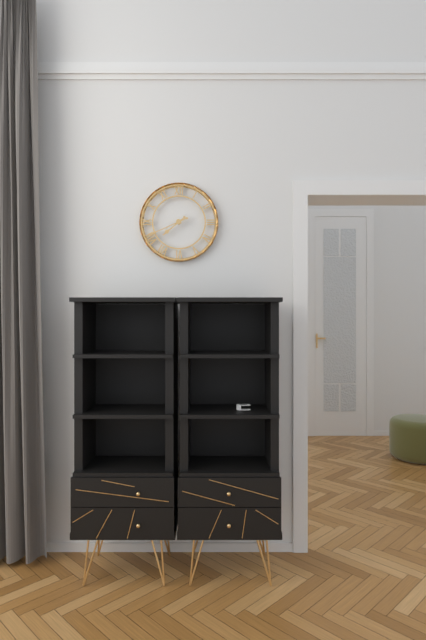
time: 7:41
